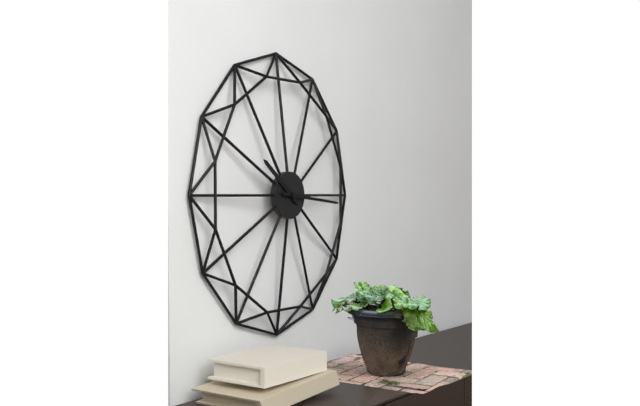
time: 10:16
